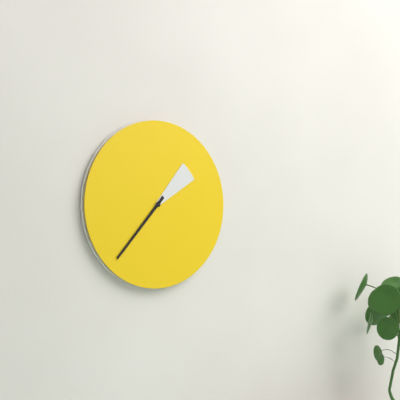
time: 1:37
